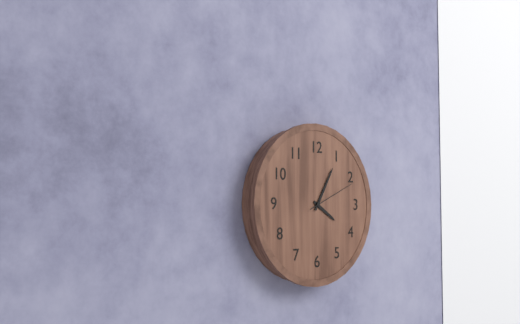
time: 4:05:11
